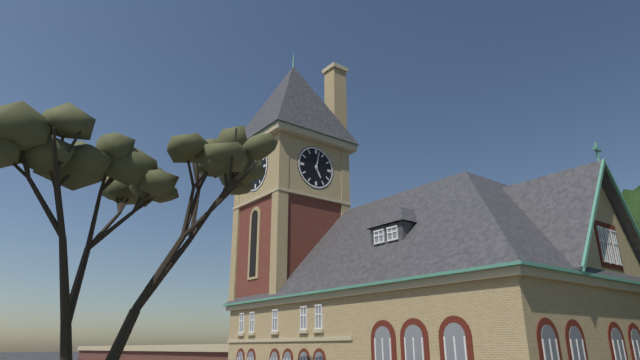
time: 5:02
